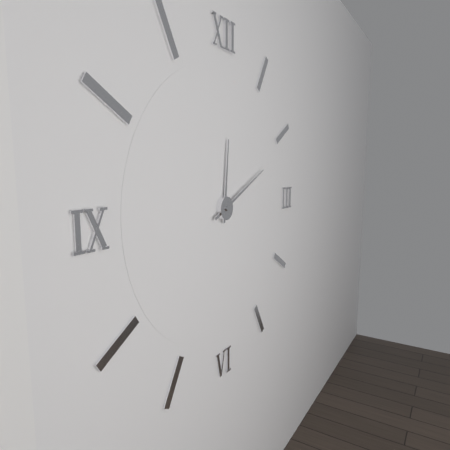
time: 12:11
